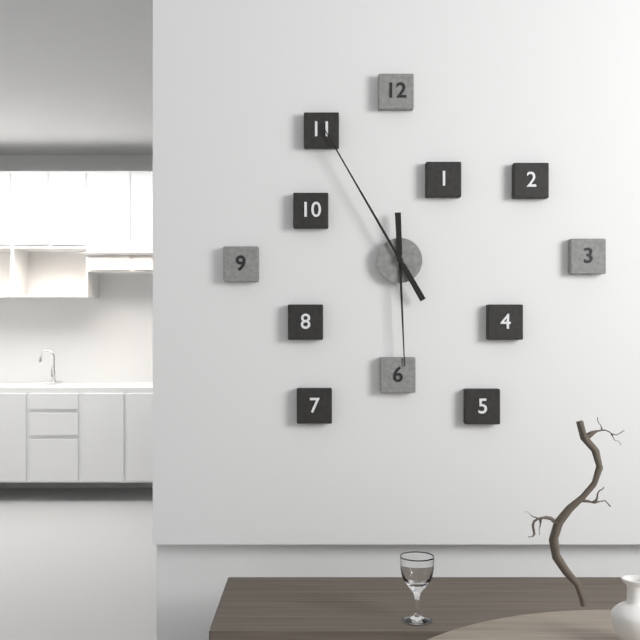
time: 5:55
